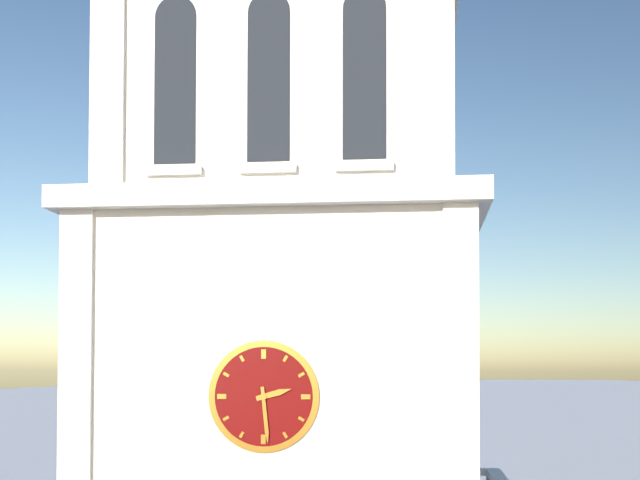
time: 2:29
